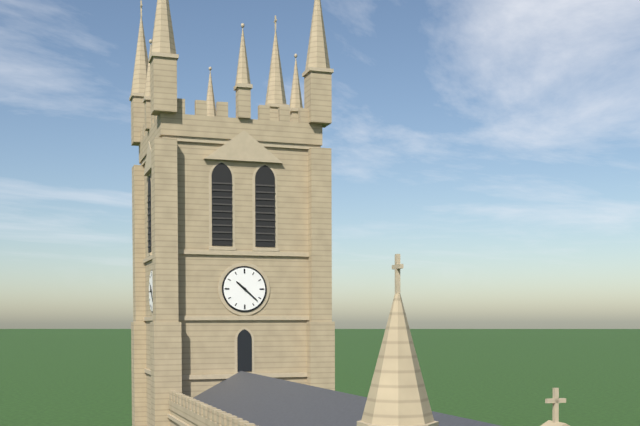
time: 10:22
